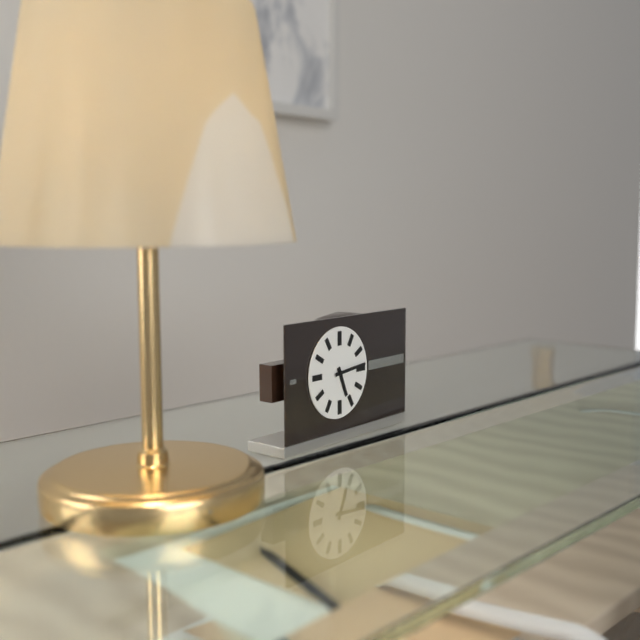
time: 5:14
